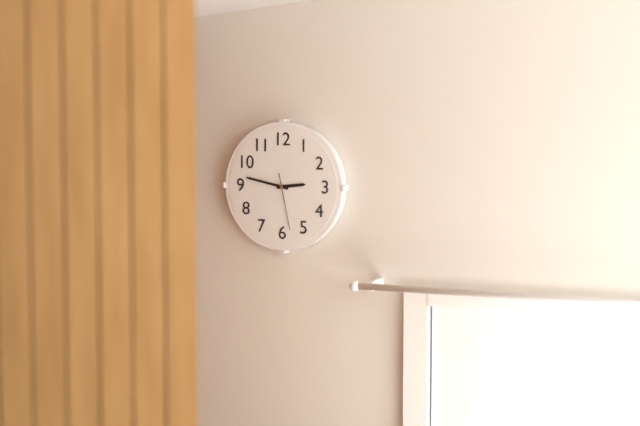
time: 2:47:28
